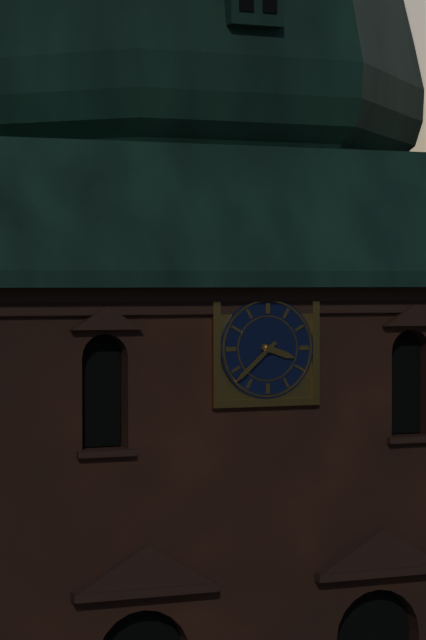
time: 3:38
